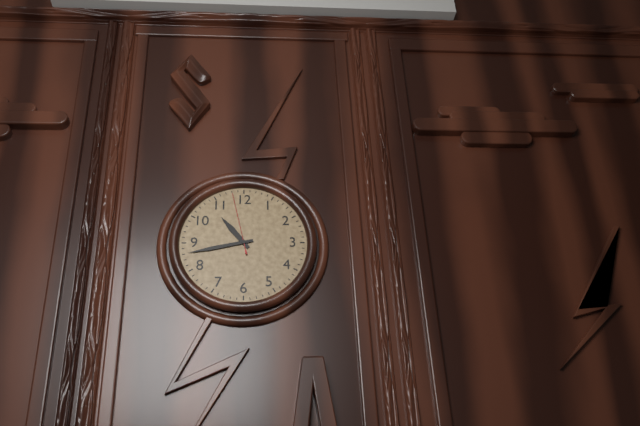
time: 10:43:58
